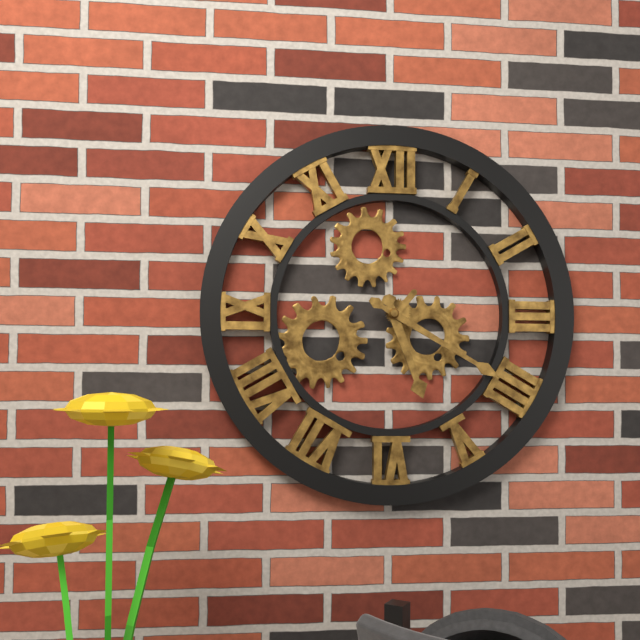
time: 5:20
